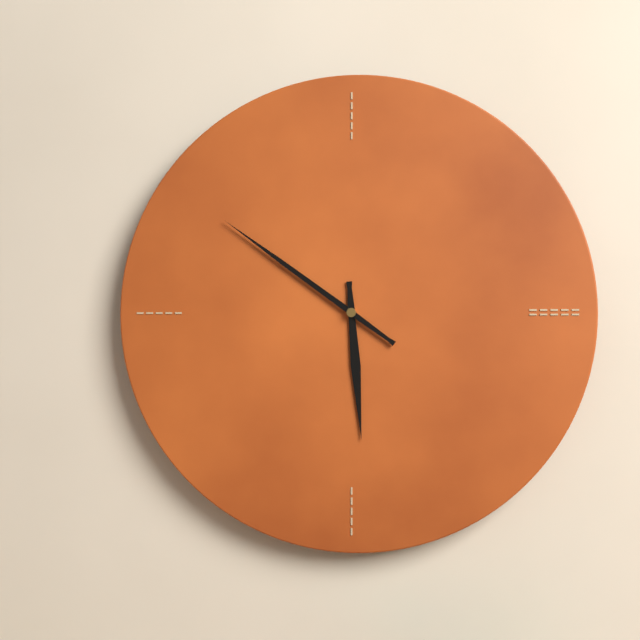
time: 5:51
